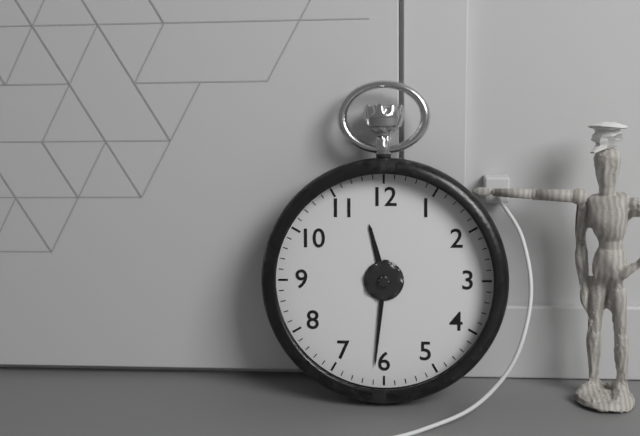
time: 11:31
